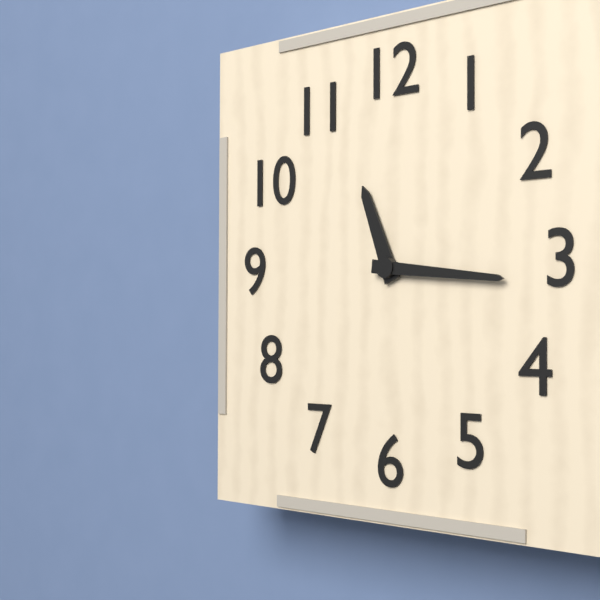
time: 11:16
